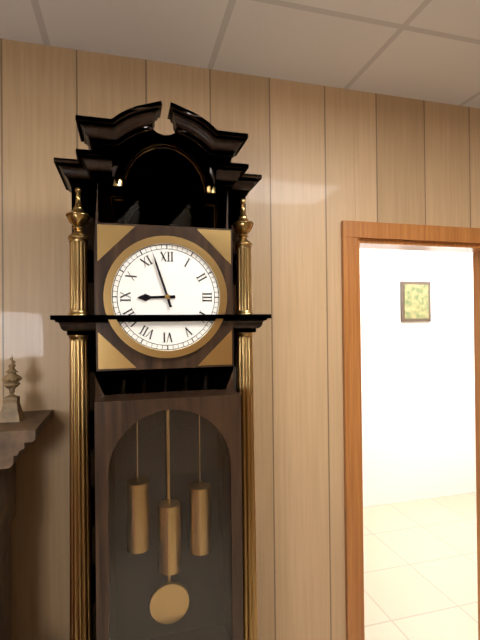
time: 8:57
